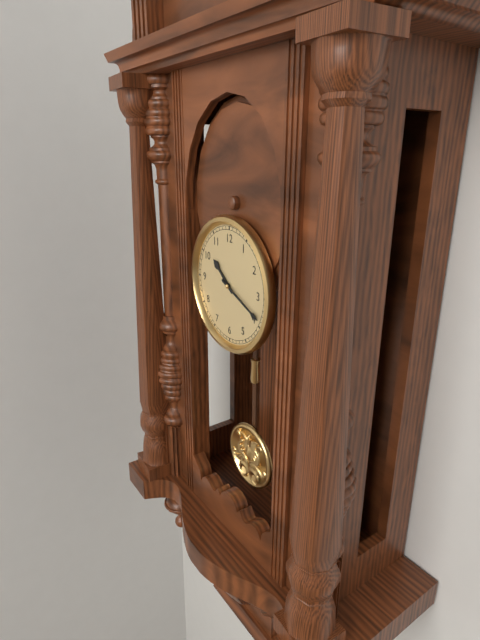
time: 10:19
